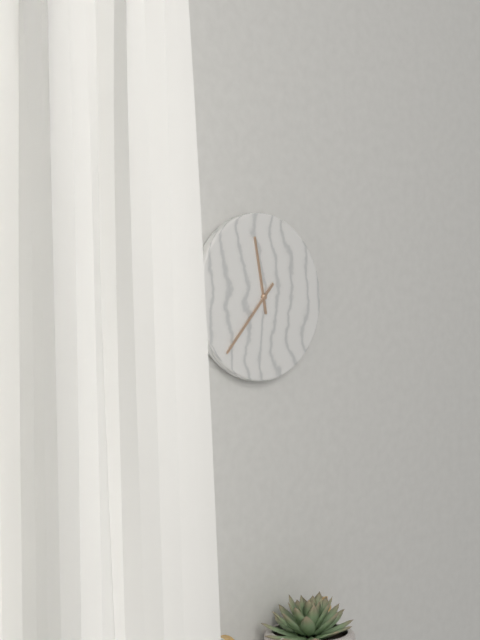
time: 11:37
